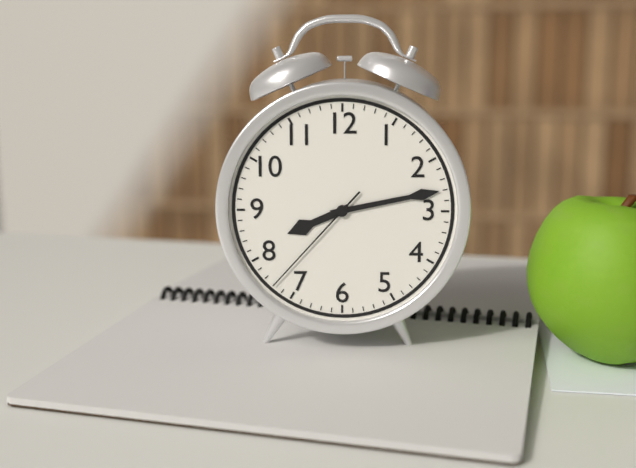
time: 8:13:37
